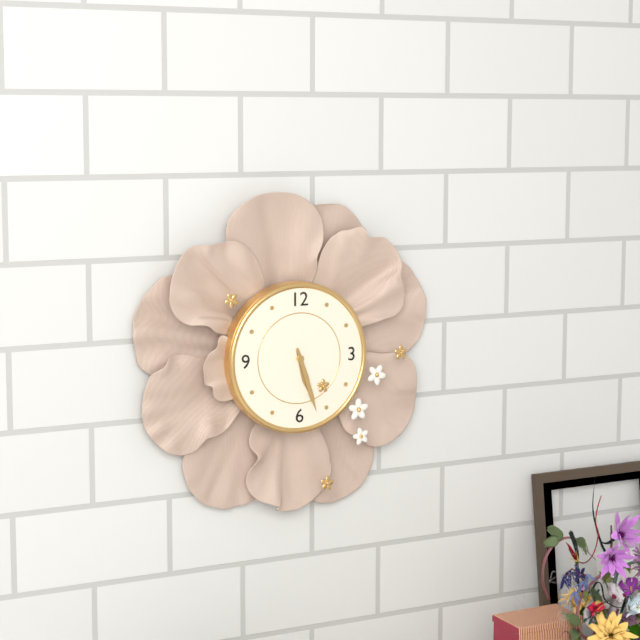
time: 5:27
